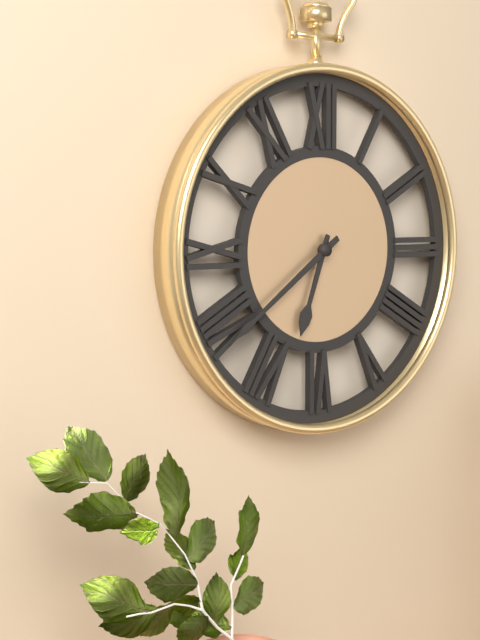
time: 6:39
